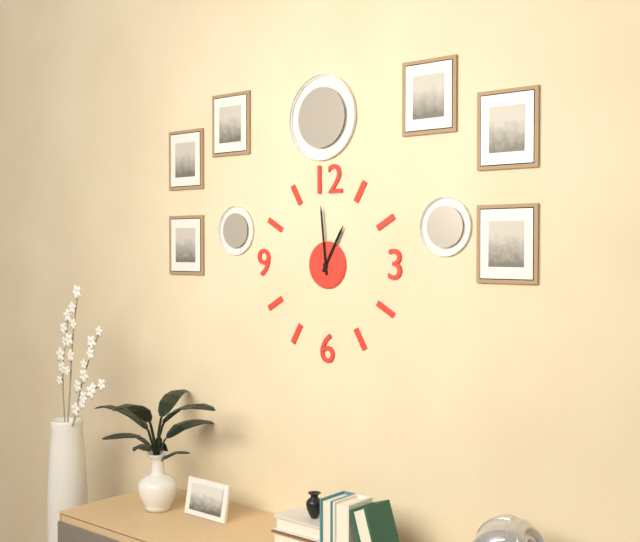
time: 12:59
